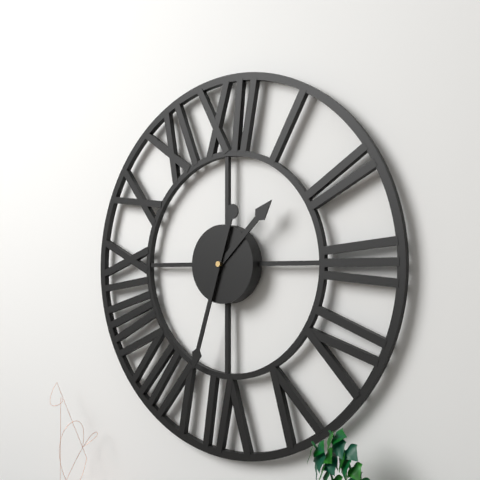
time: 1:33
